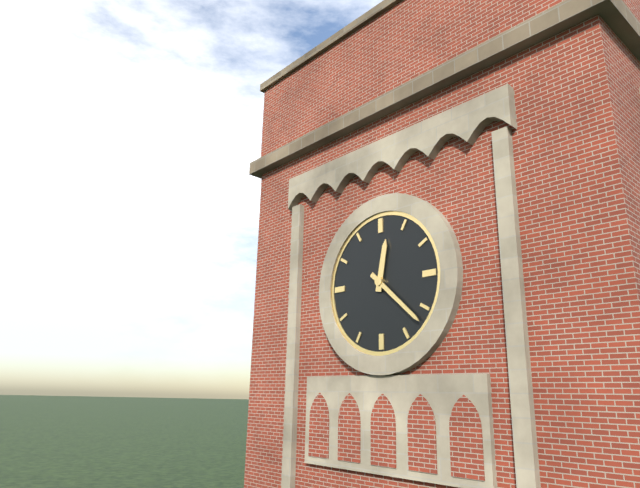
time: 12:22
